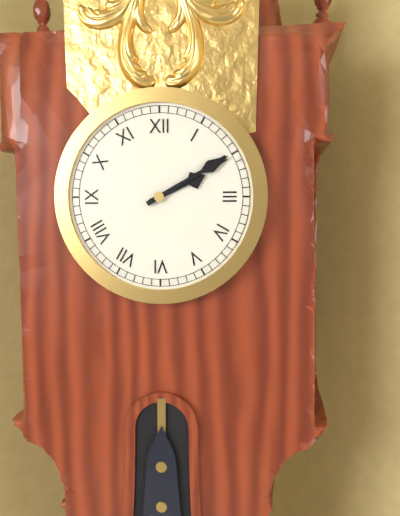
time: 2:10
